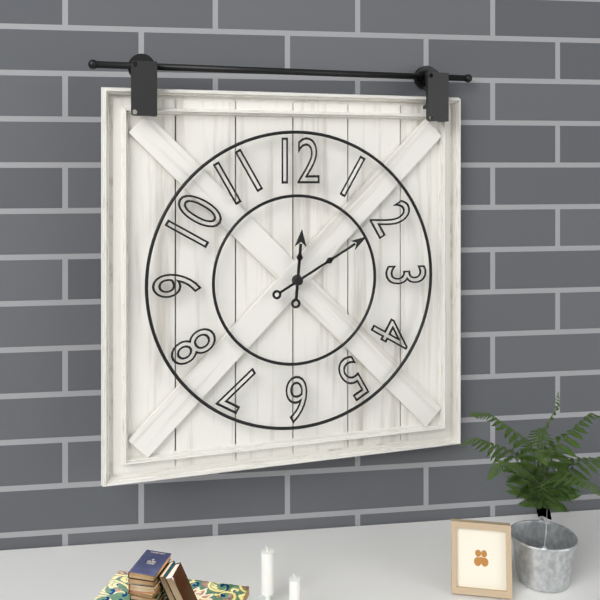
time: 12:10
